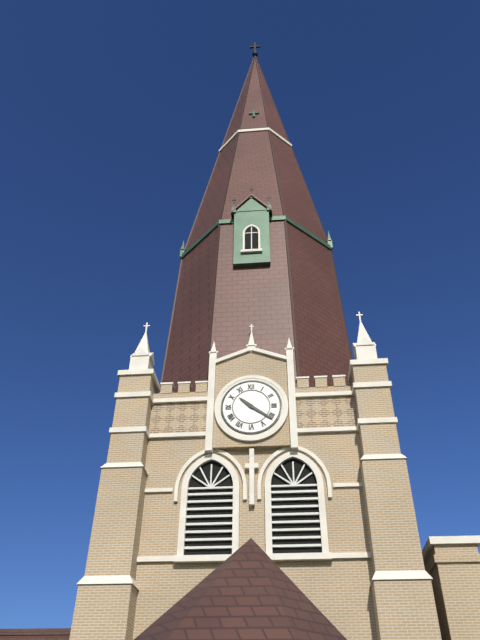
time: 10:21
